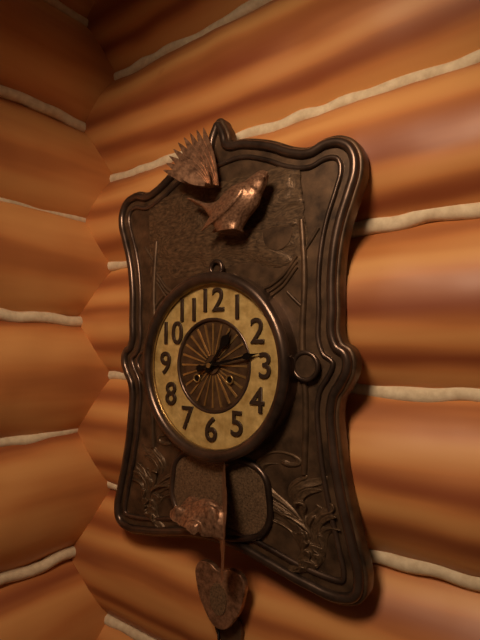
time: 1:13
